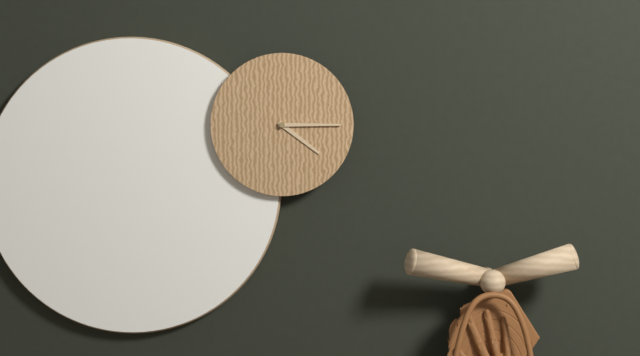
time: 4:15
